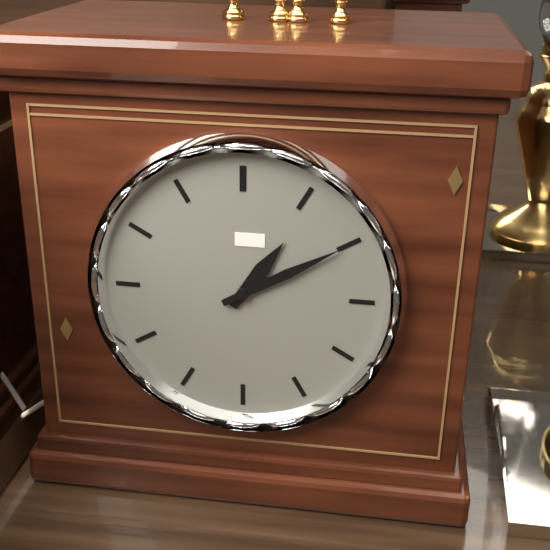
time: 1:10
